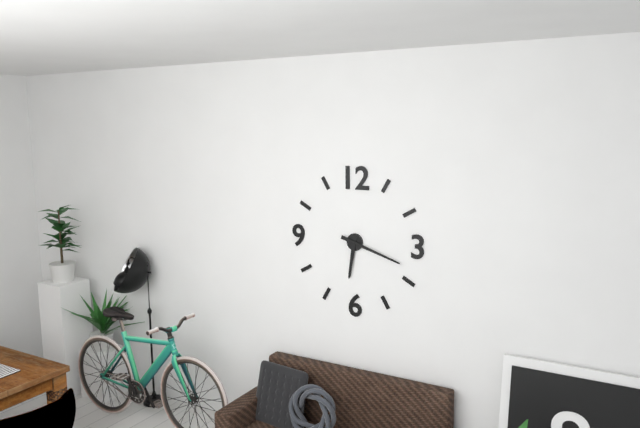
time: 6:18
